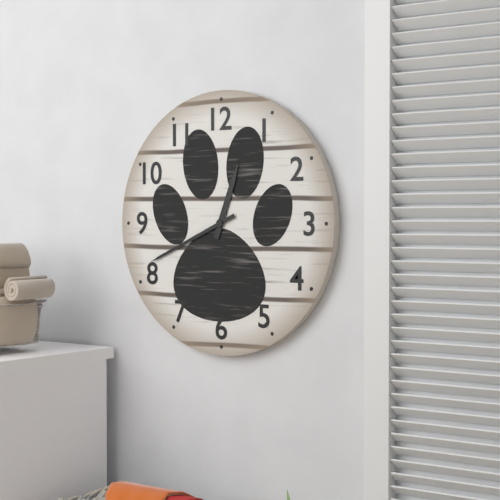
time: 12:41
